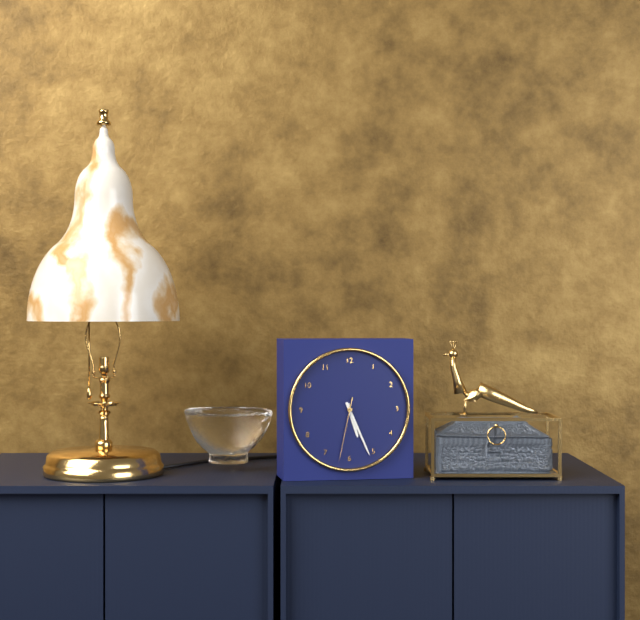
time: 5:26:32
